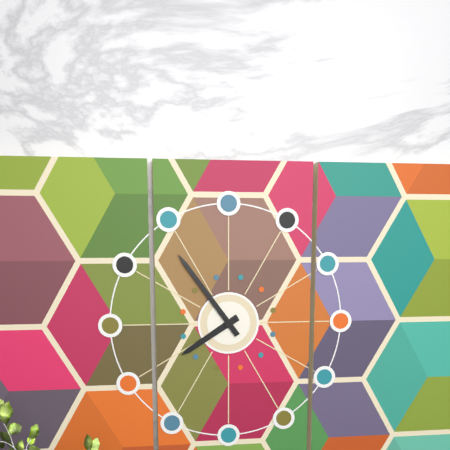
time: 7:54
